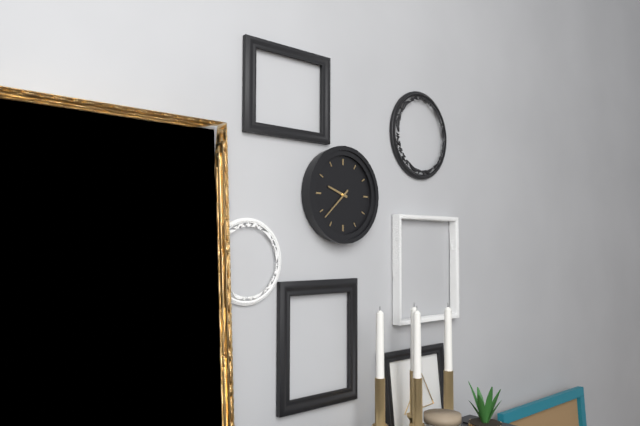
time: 9:38
